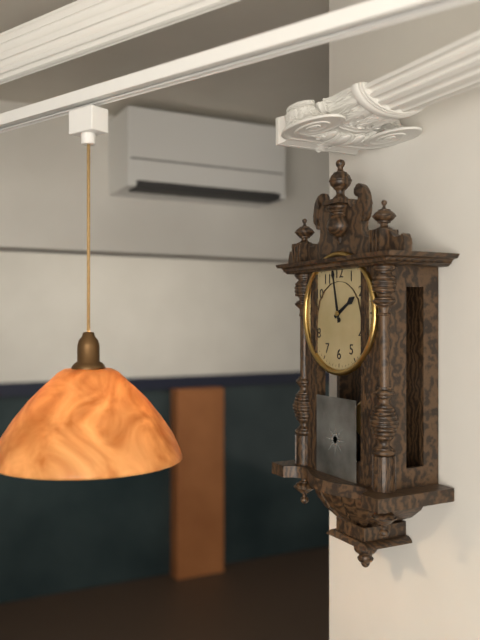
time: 1:58
